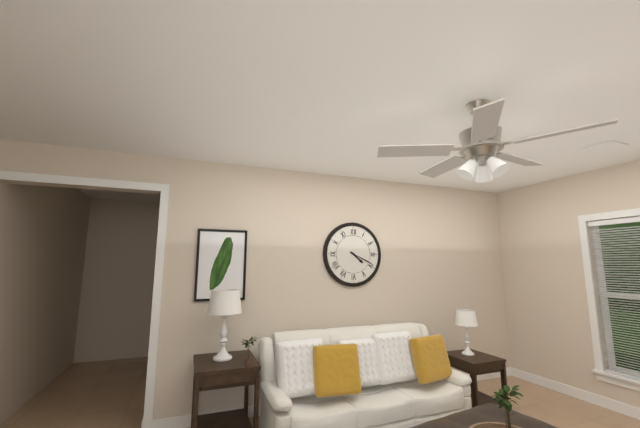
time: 4:19
